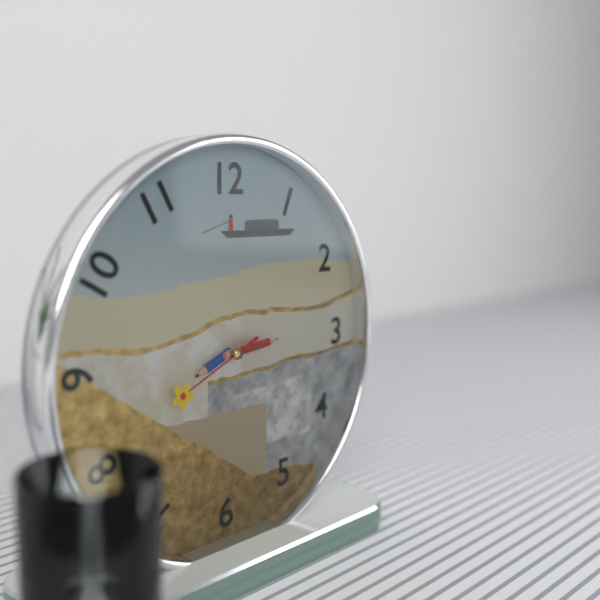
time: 8:14:41
